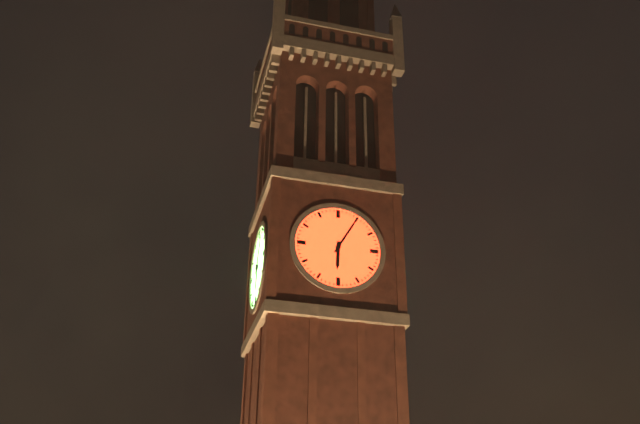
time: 6:05
